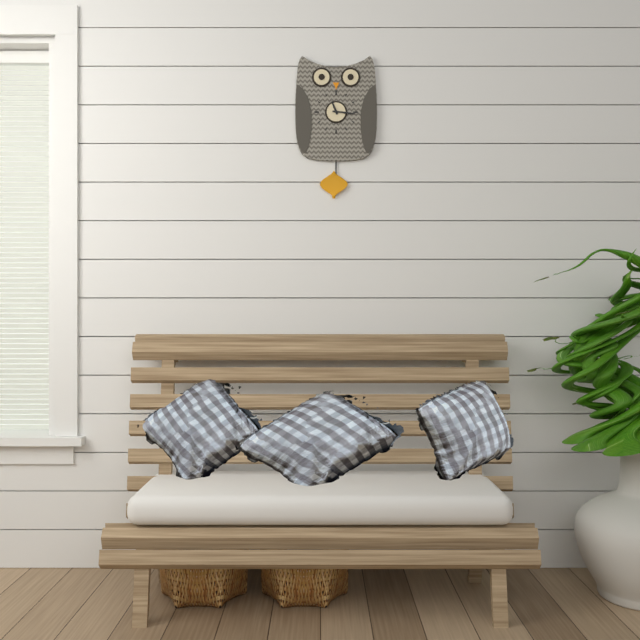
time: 11:16
